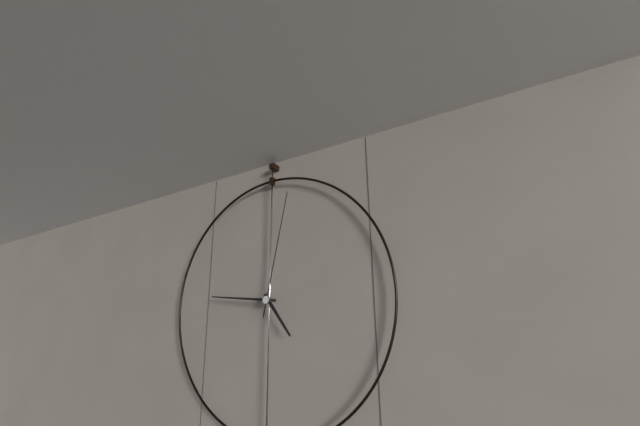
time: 4:46:02
